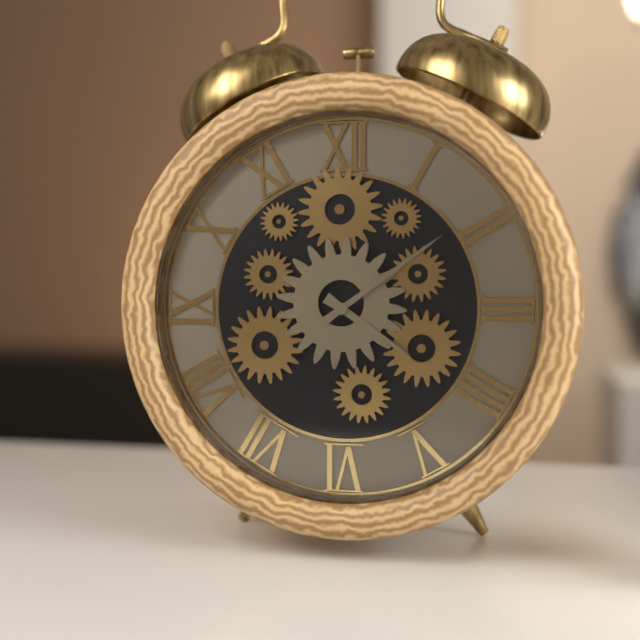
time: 4:09
